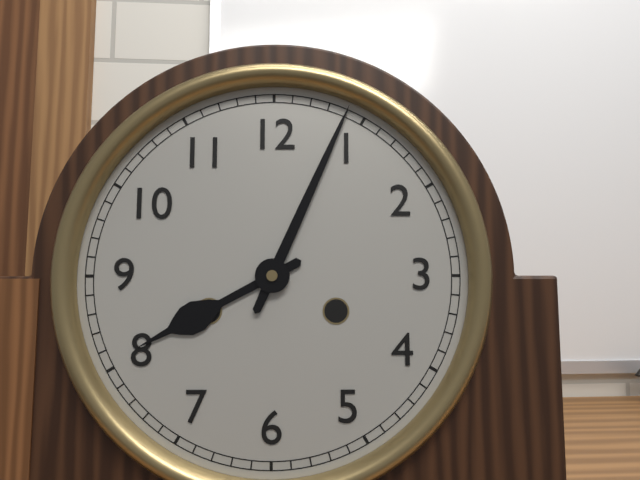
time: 8:04
